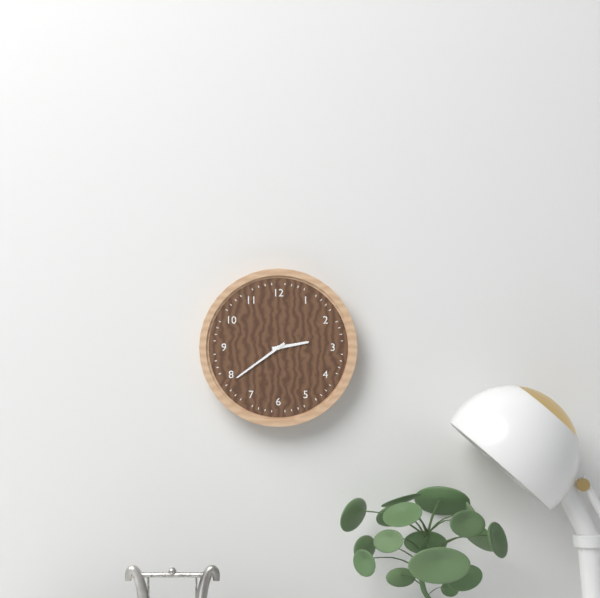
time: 2:39
